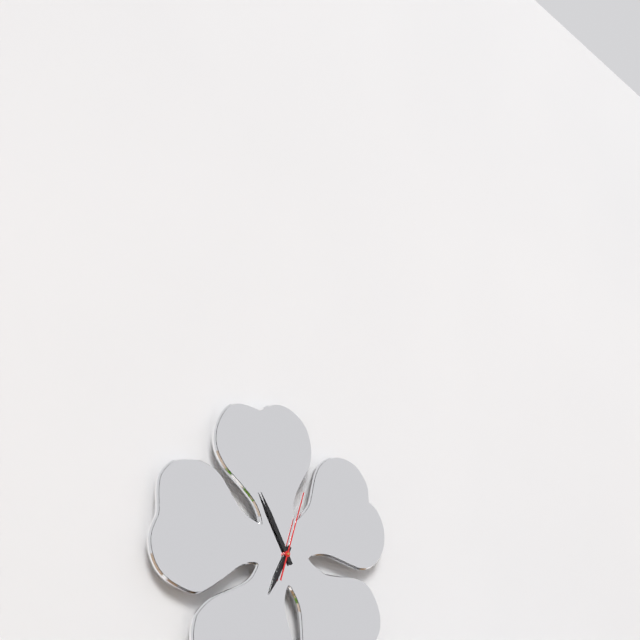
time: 6:55:03
